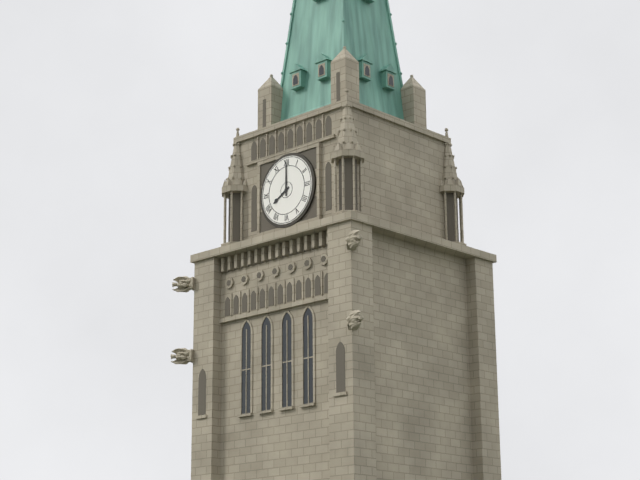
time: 8:00
